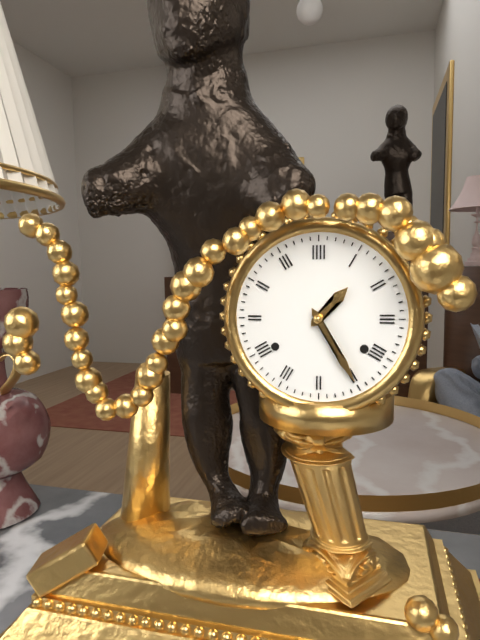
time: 1:25
